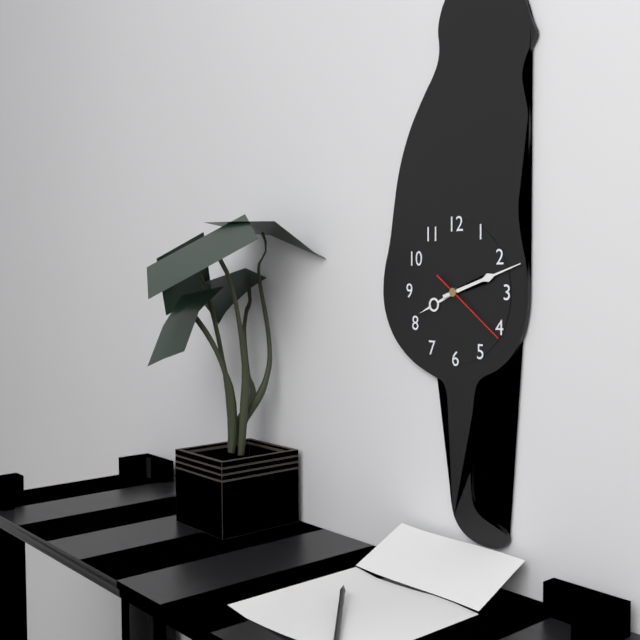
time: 8:12:21
